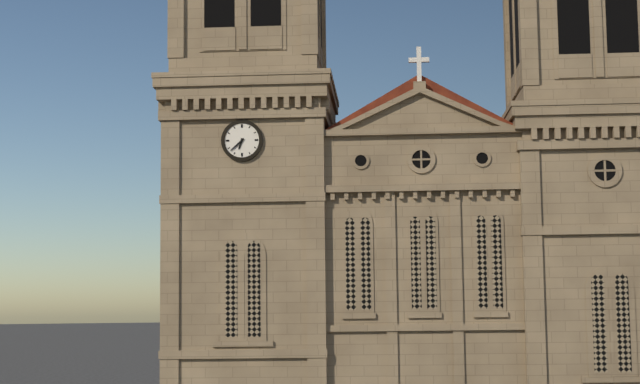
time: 6:38
